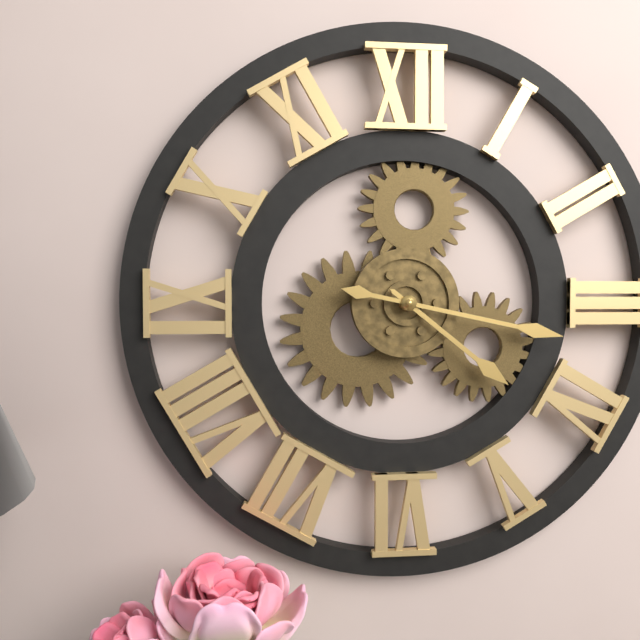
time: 4:17
